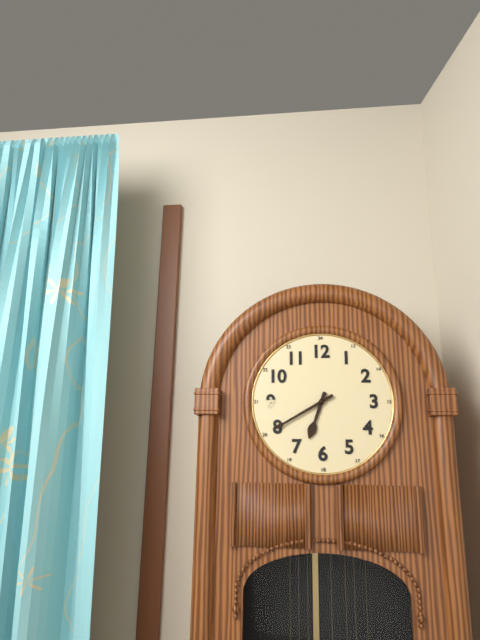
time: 6:40
